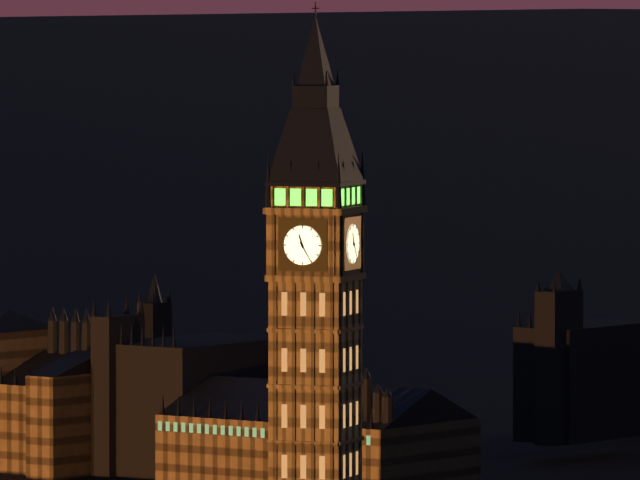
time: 11:25
